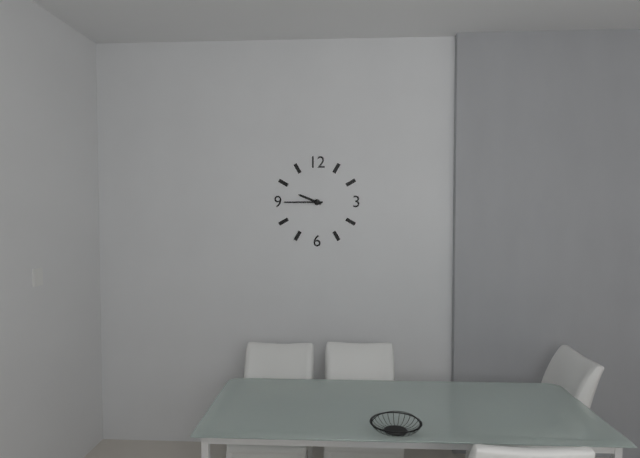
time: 9:45
